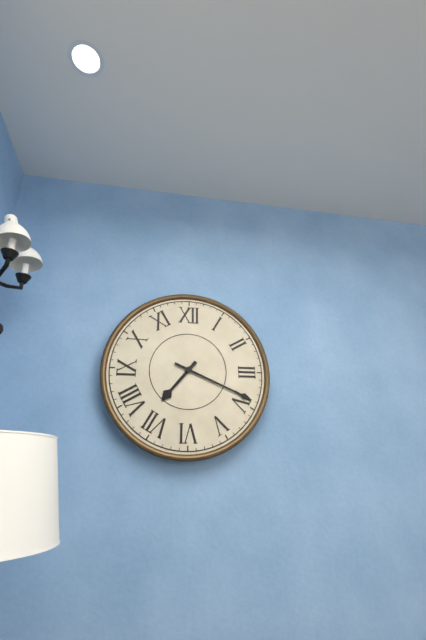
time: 7:19
